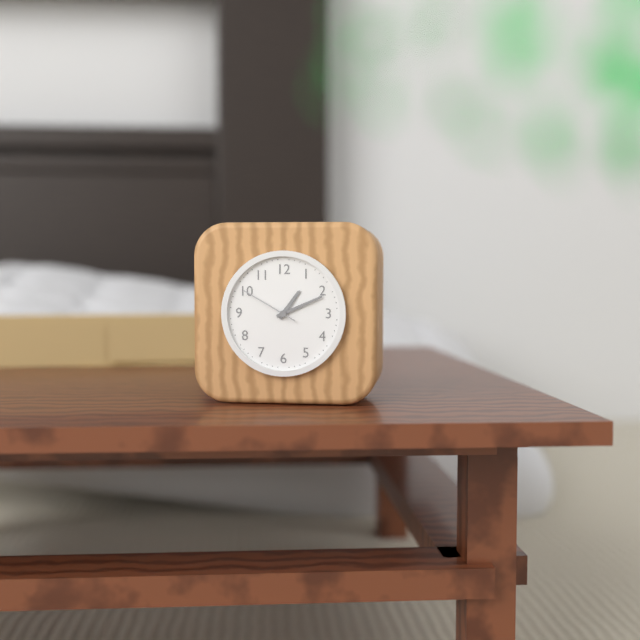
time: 1:11:50
